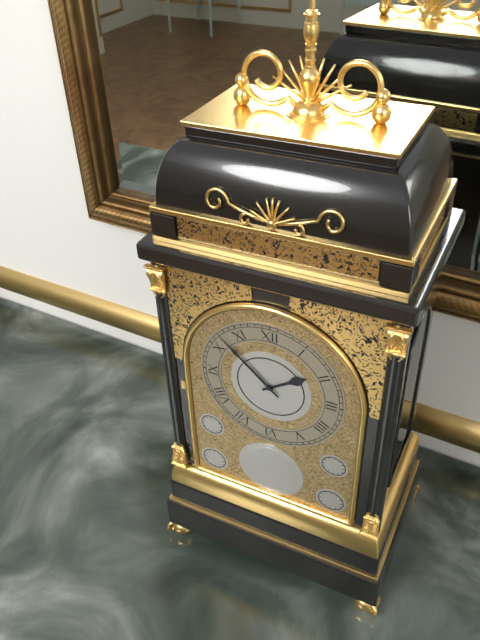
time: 1:52
